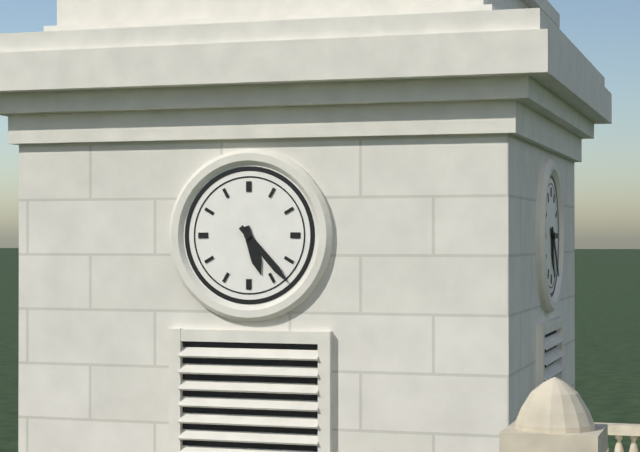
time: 5:23
